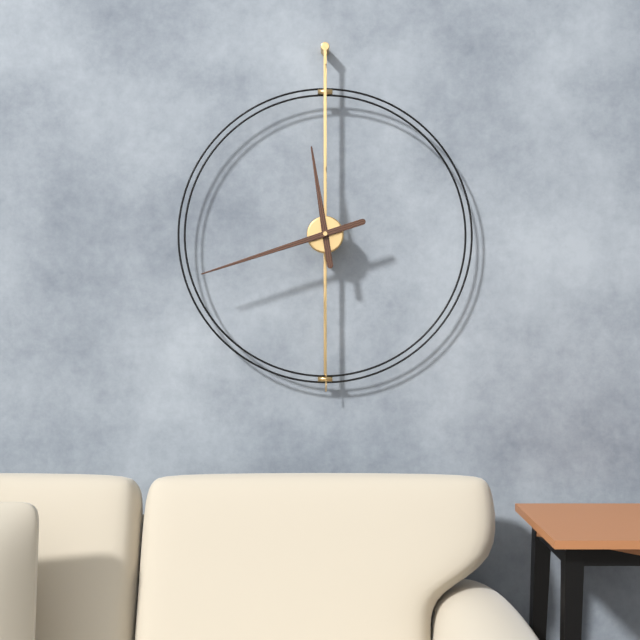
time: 11:42
